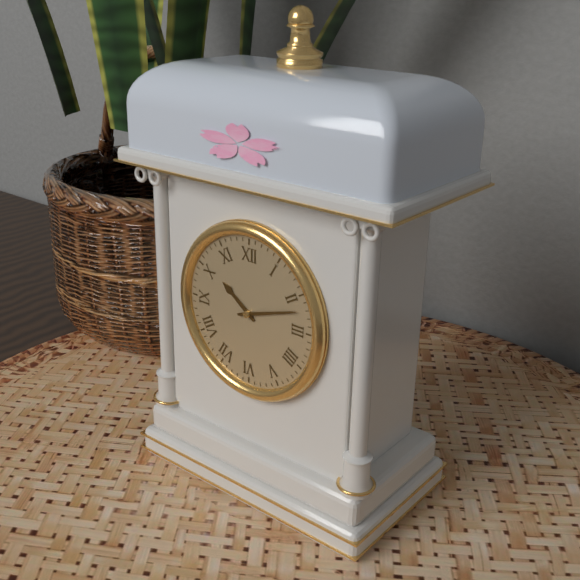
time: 10:12
